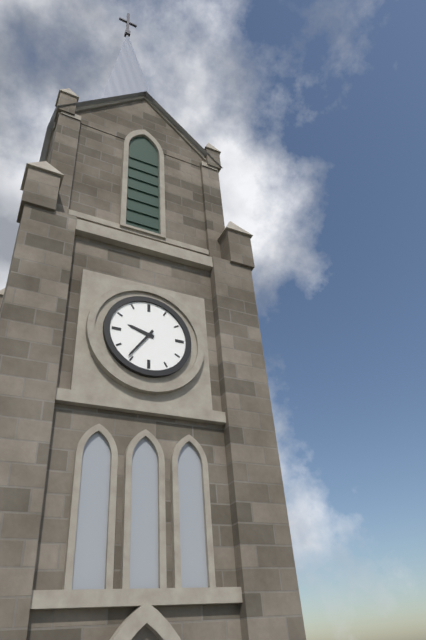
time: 9:36
